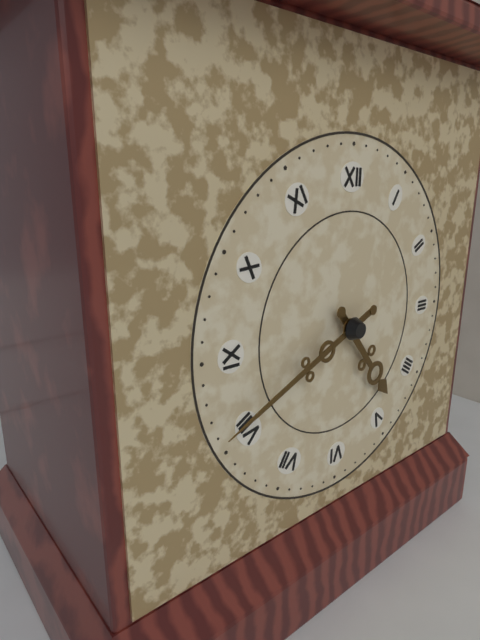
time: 4:41
